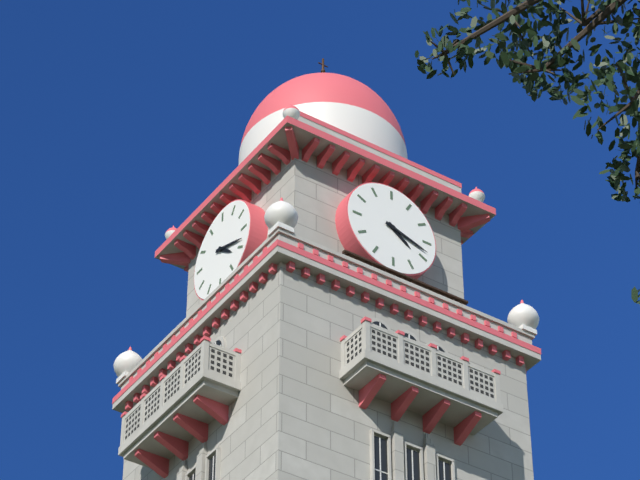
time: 4:18
